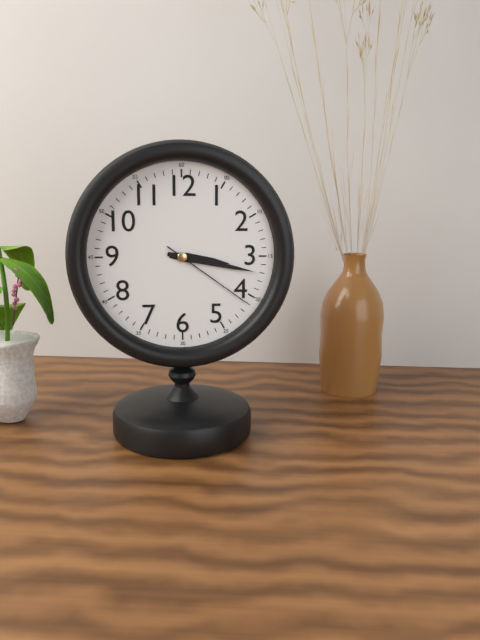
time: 3:17:21
